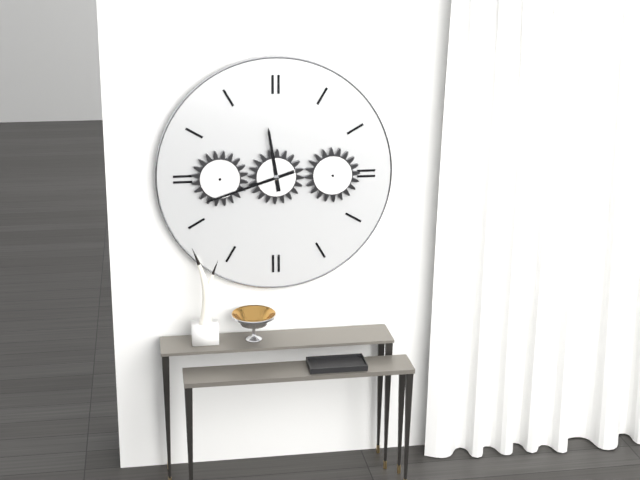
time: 11:42
